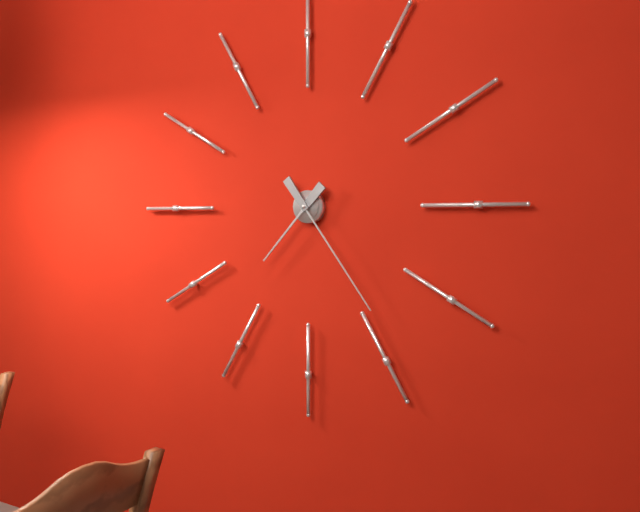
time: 7:24
